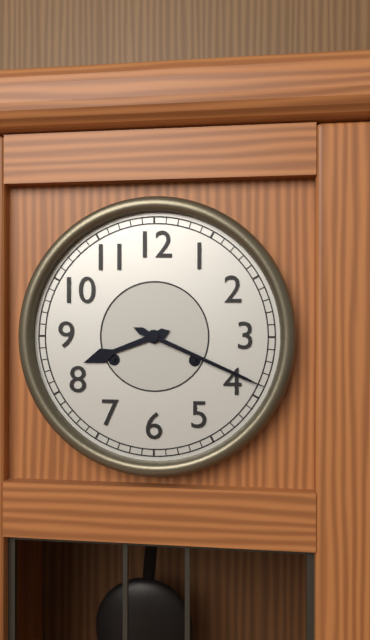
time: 8:19
